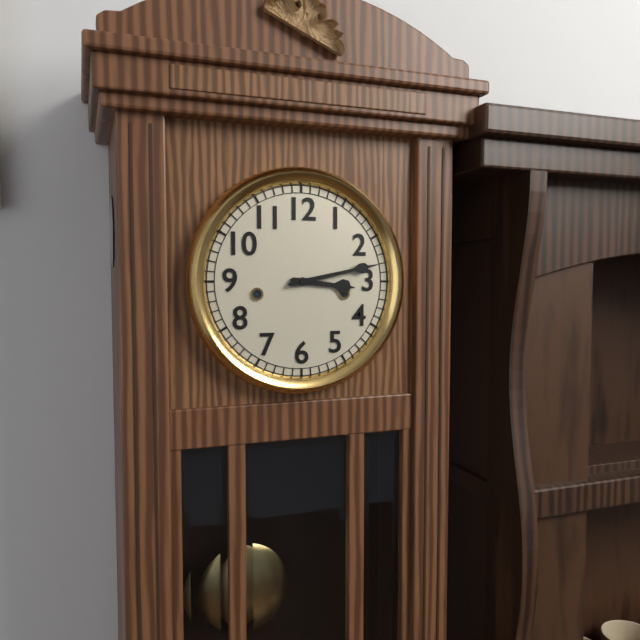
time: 3:13
